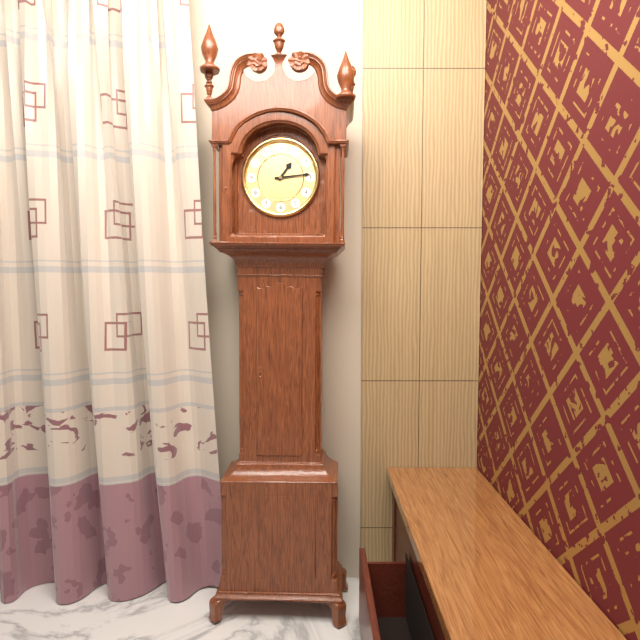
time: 1:14
